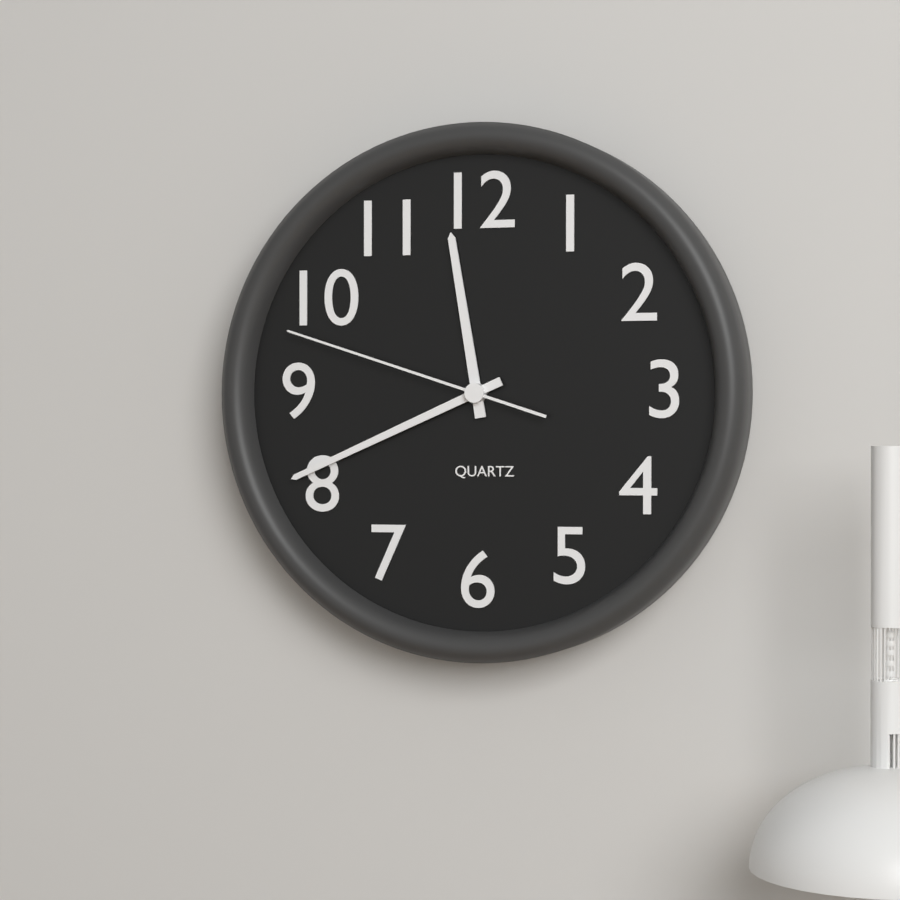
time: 11:41:48
